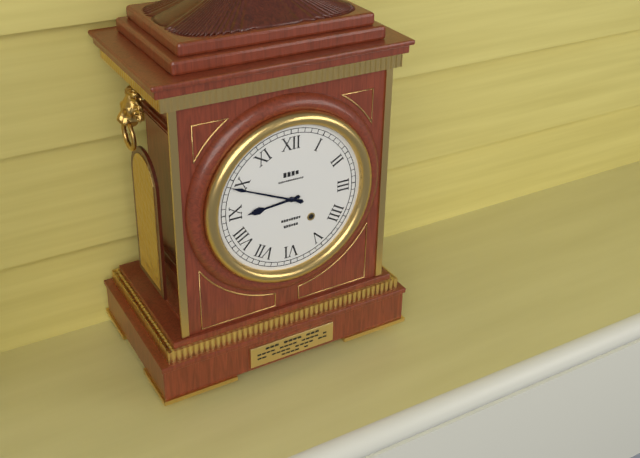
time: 8:49
